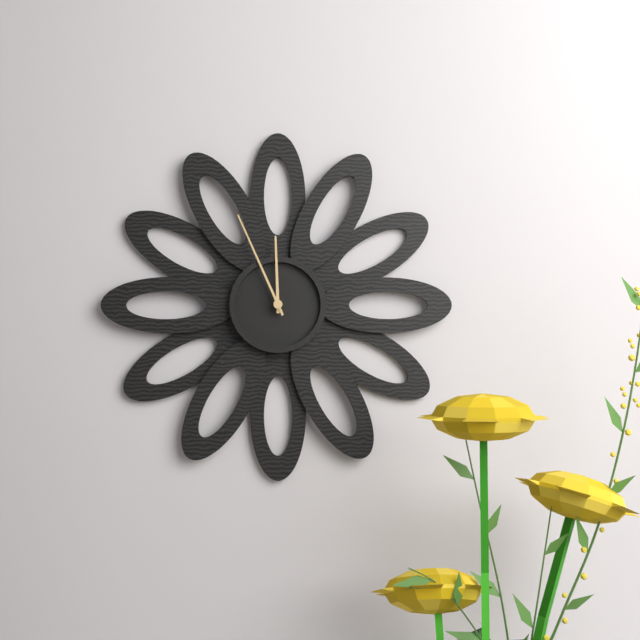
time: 11:56
